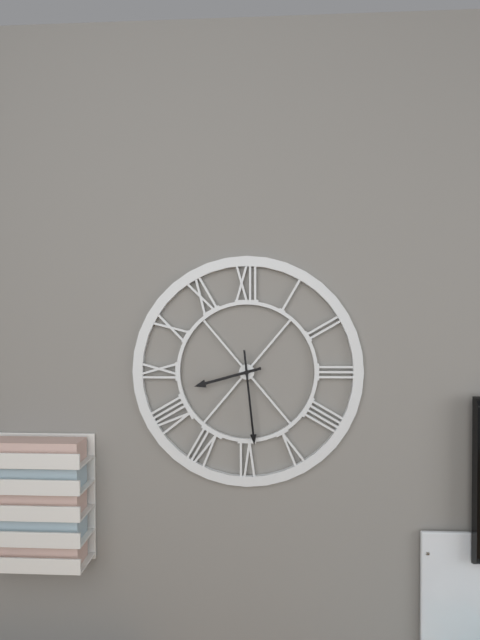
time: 8:29
